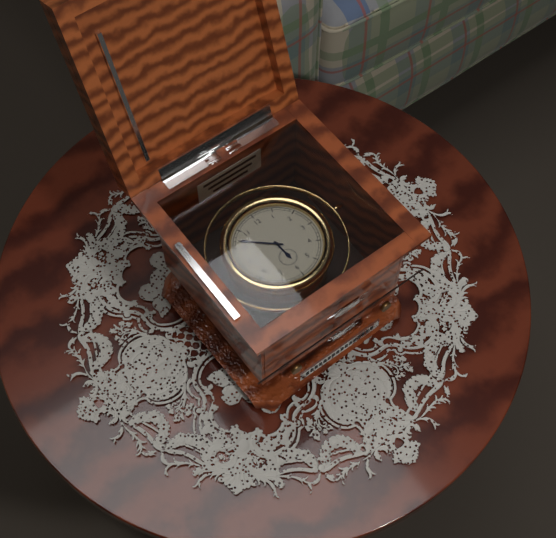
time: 5:52
